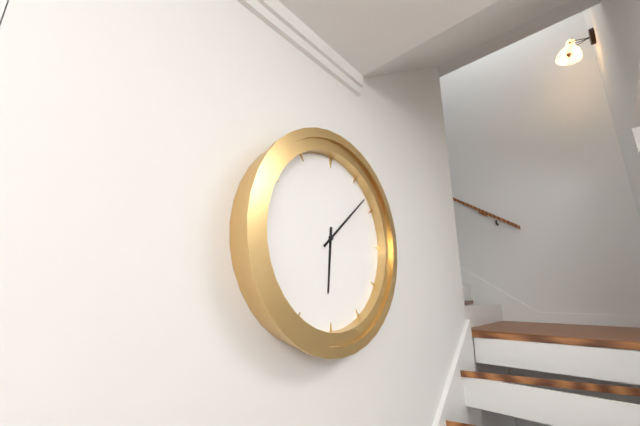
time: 6:08
